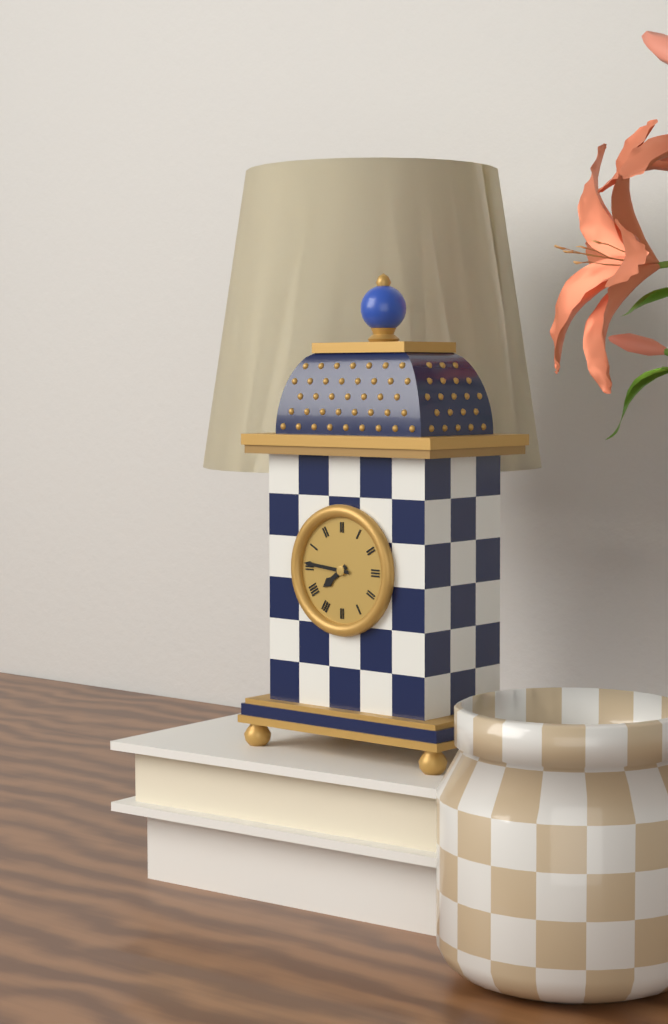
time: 7:46
